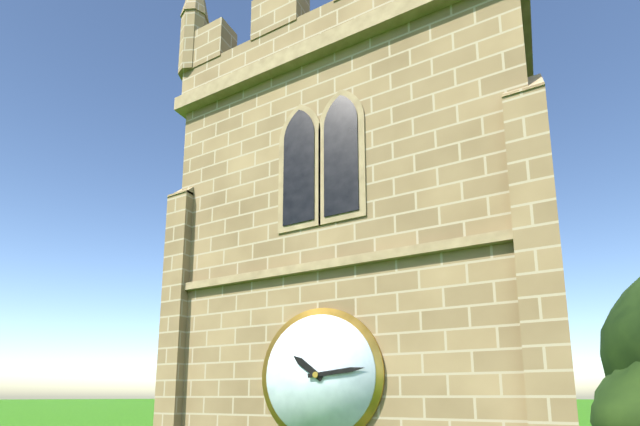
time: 10:14
